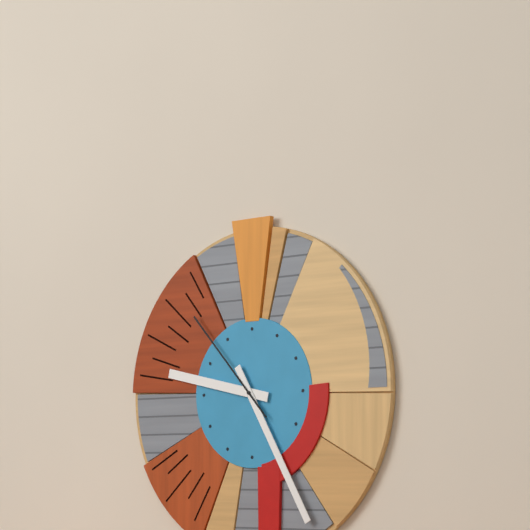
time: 9:25:53
